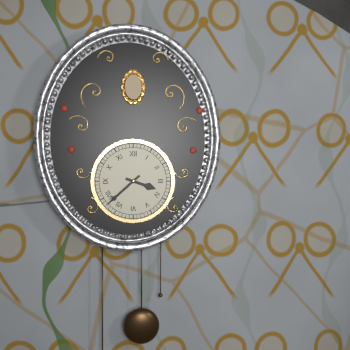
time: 3:38
